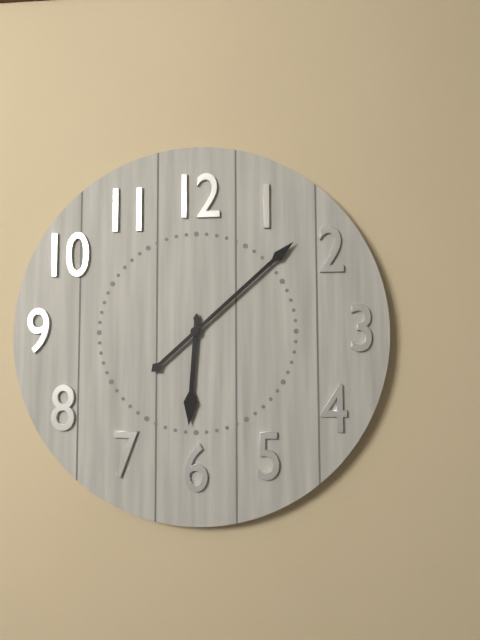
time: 6:08
